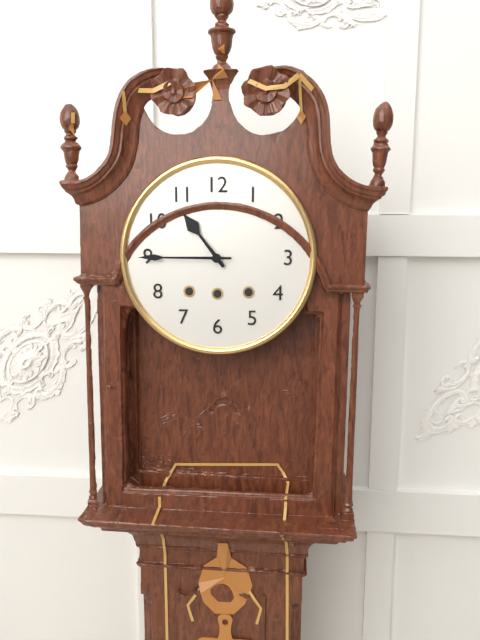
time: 10:45
